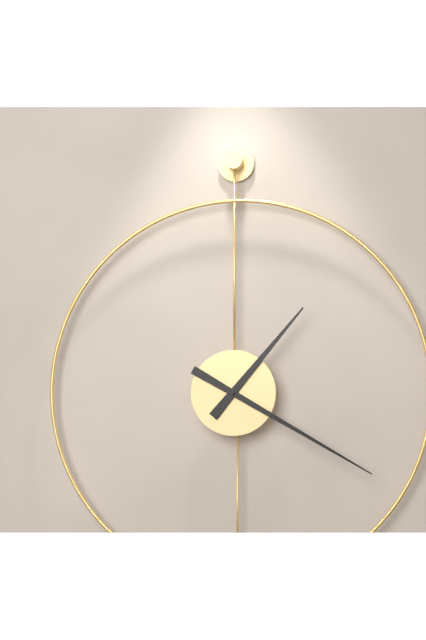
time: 1:20
